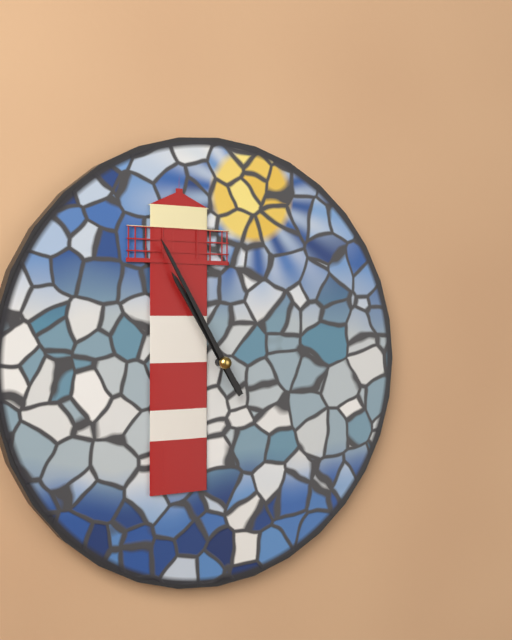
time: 10:55
